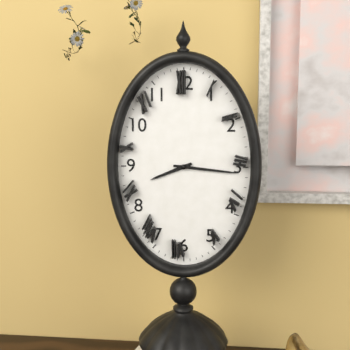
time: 8:16
